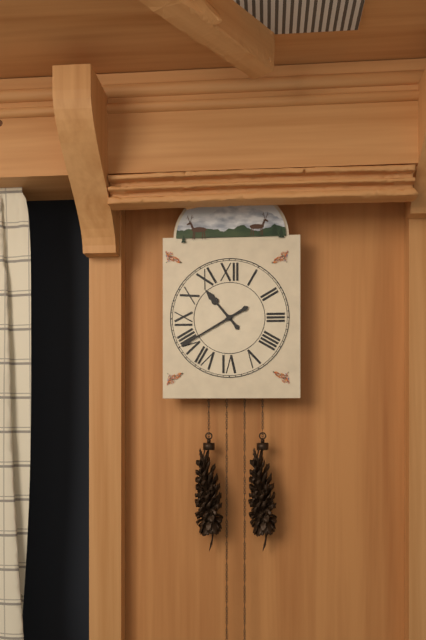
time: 10:40
